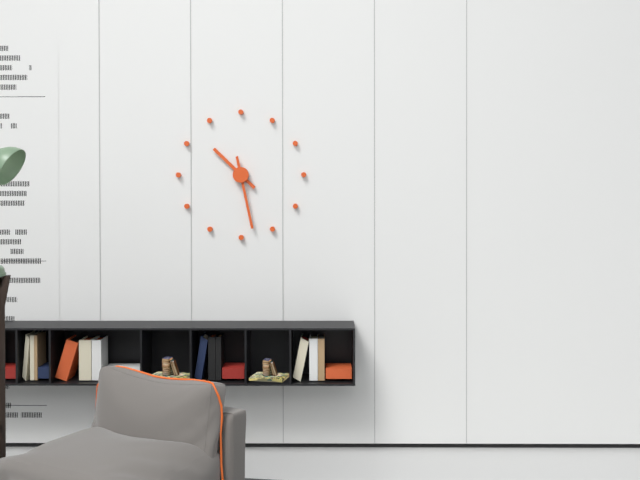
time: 10:28
